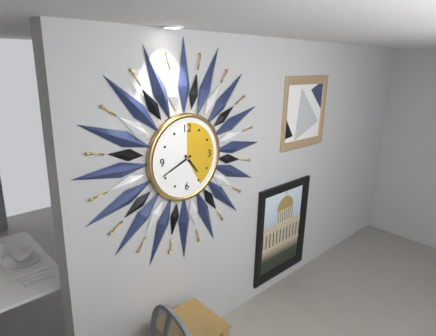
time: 4:41
